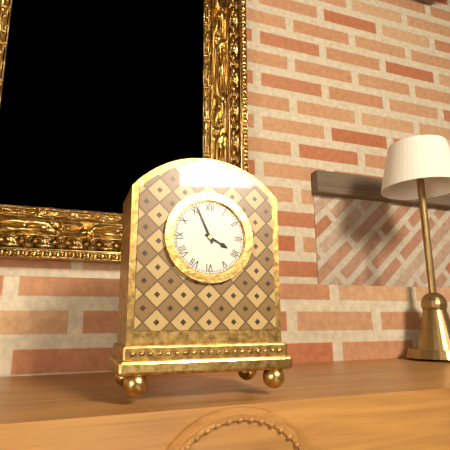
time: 3:56
